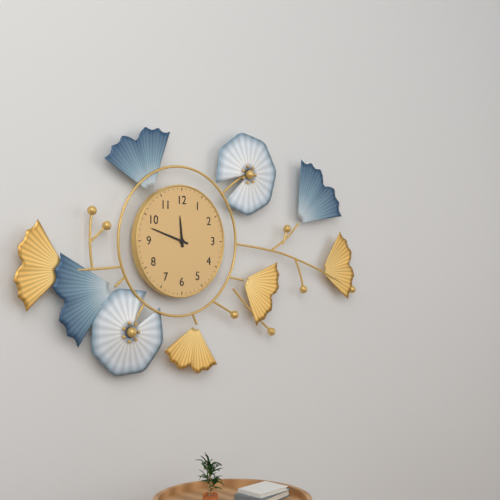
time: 11:48
